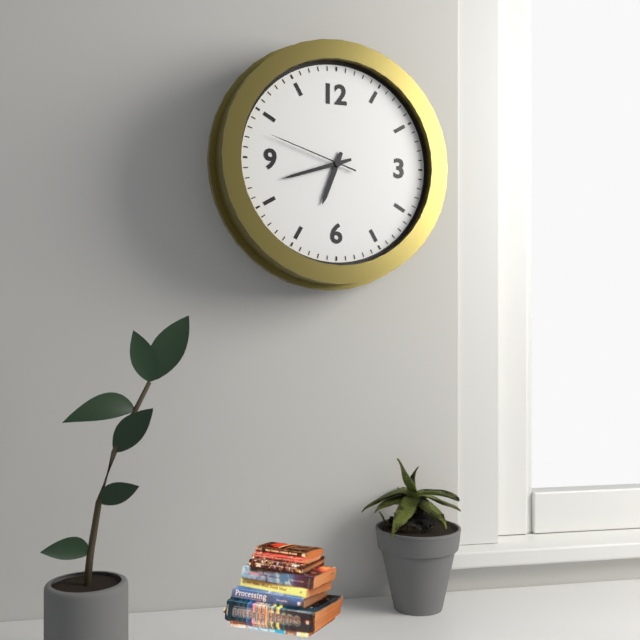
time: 6:42:48
